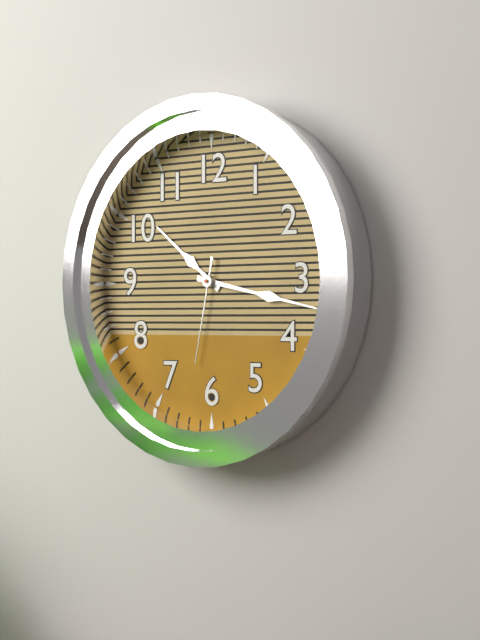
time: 10:17:32
